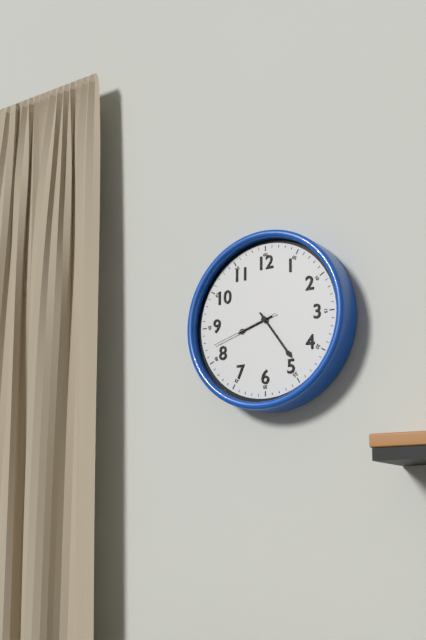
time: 8:24:42
